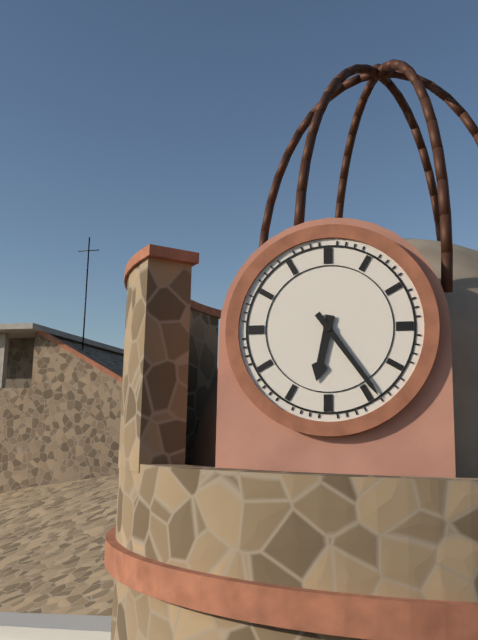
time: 6:24
